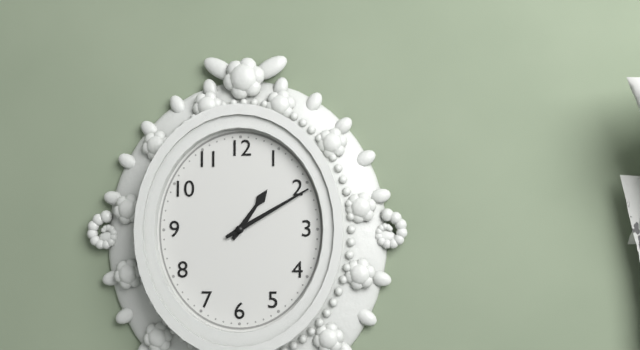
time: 1:10
